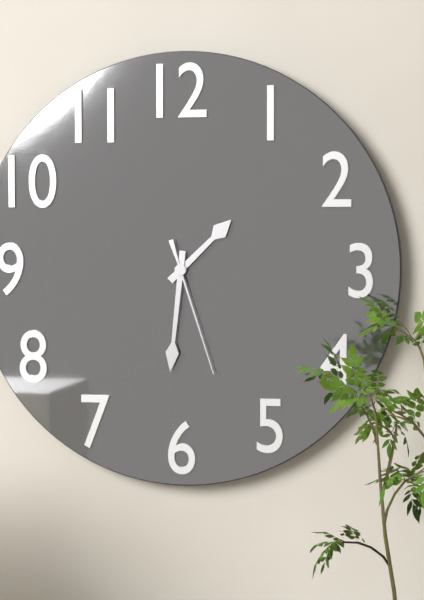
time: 1:31:27
